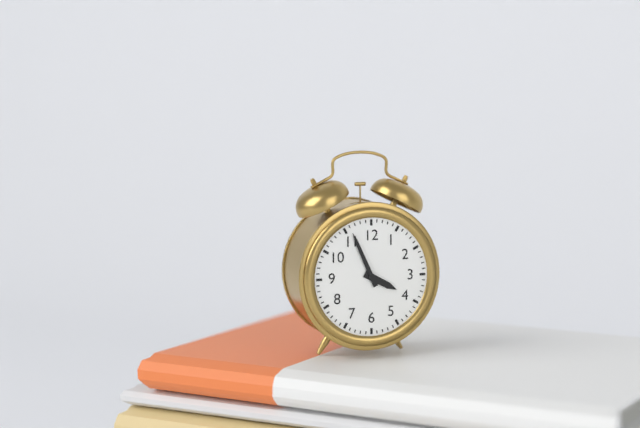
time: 3:56
